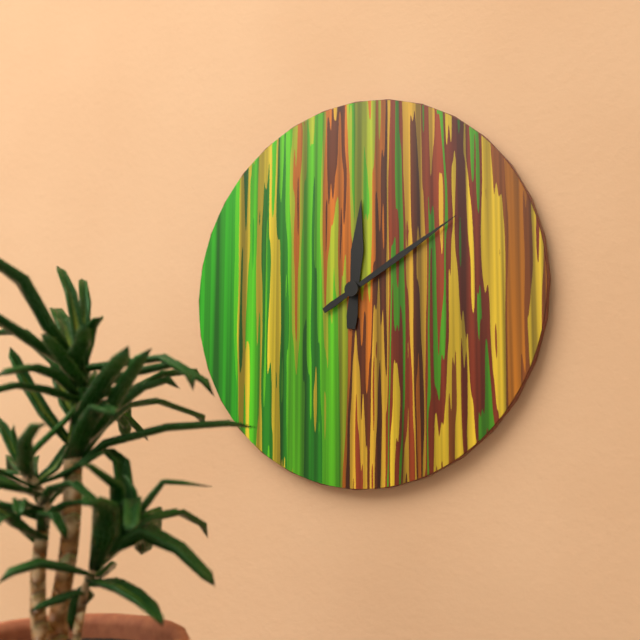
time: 12:10
